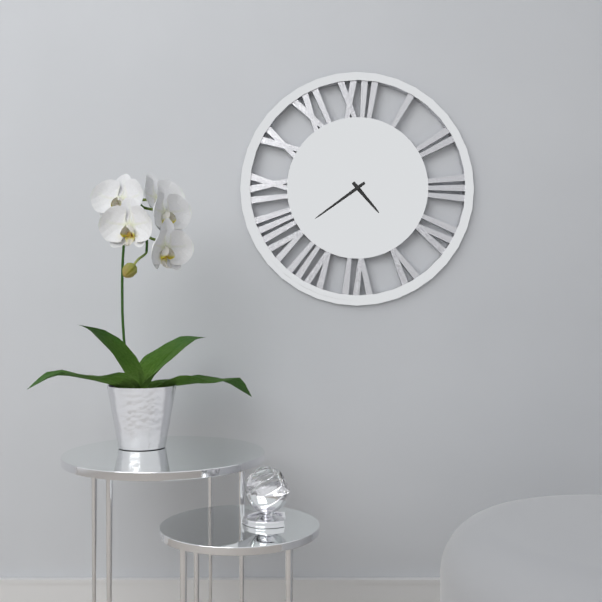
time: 4:39
